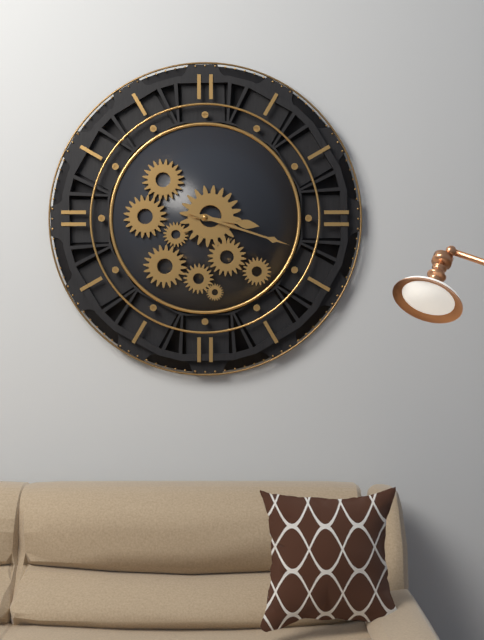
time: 3:18
